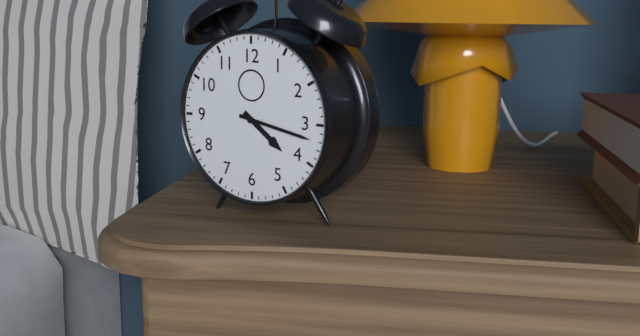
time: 4:17
